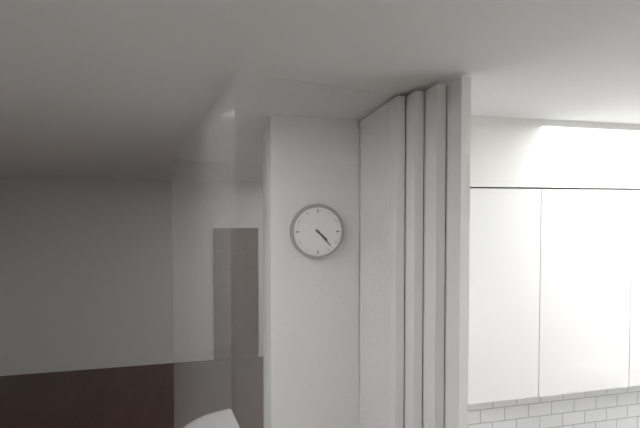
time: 4:23
